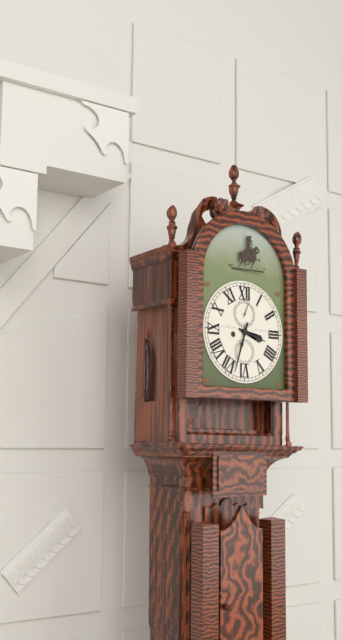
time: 3:33
